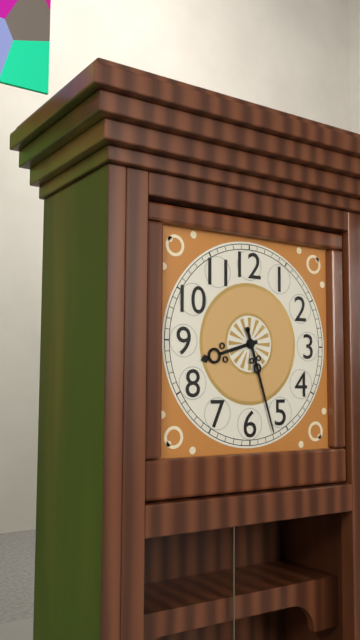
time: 8:27
